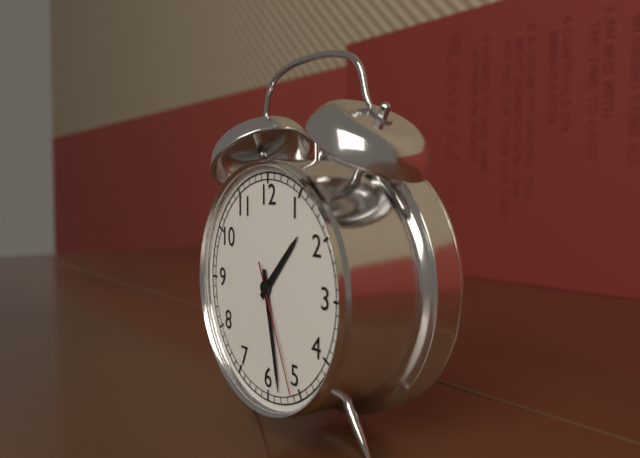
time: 1:28:26
